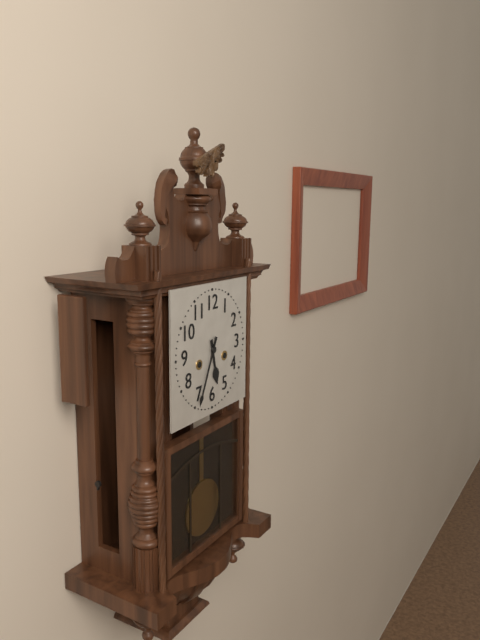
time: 5:34
